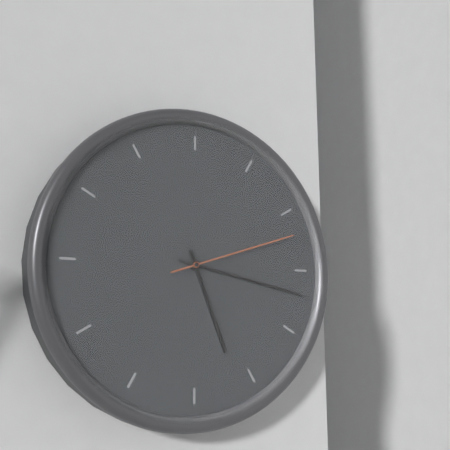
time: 5:17:12
